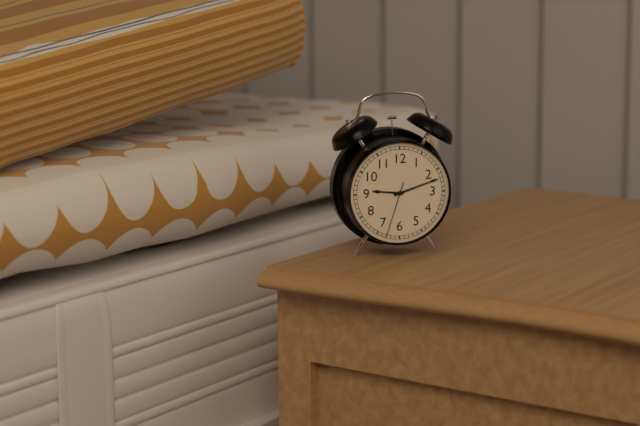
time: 9:12:33
